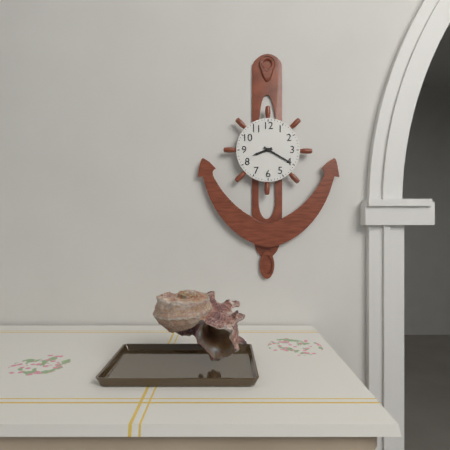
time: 8:20
